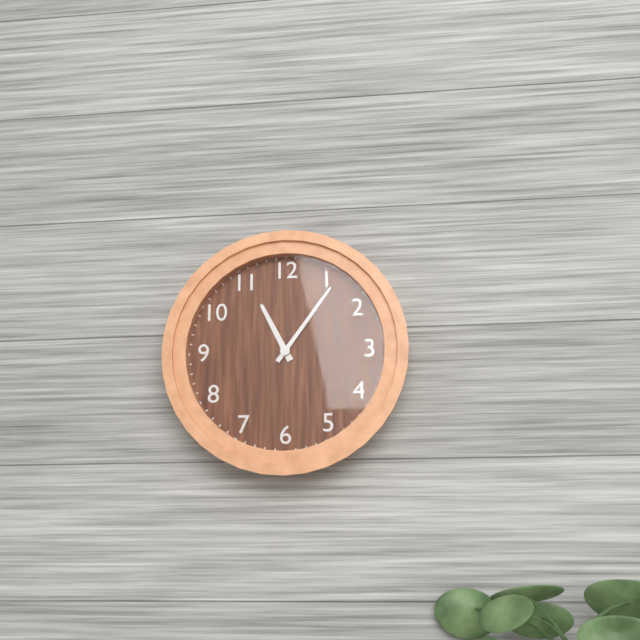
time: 11:06
